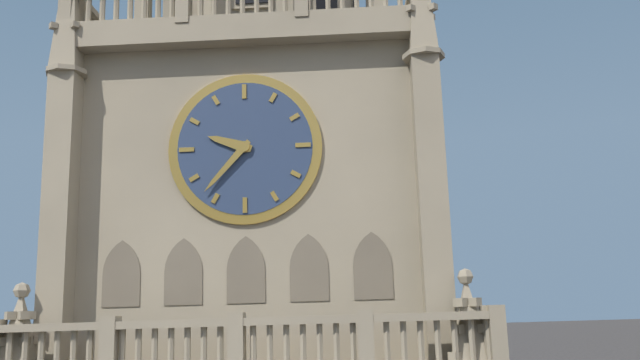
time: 9:37
